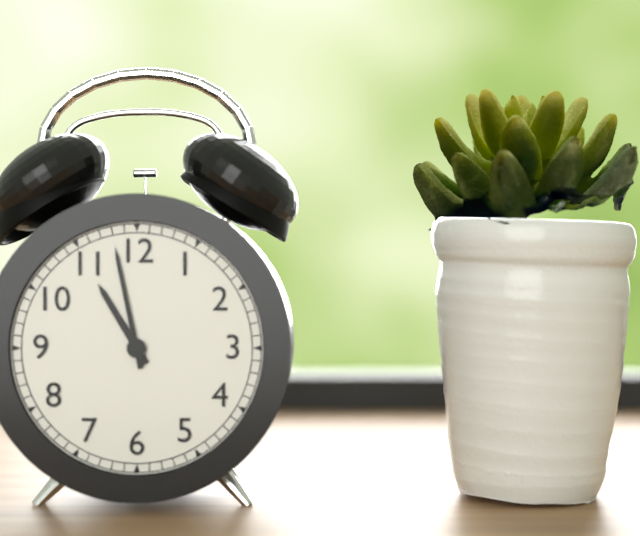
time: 10:58
